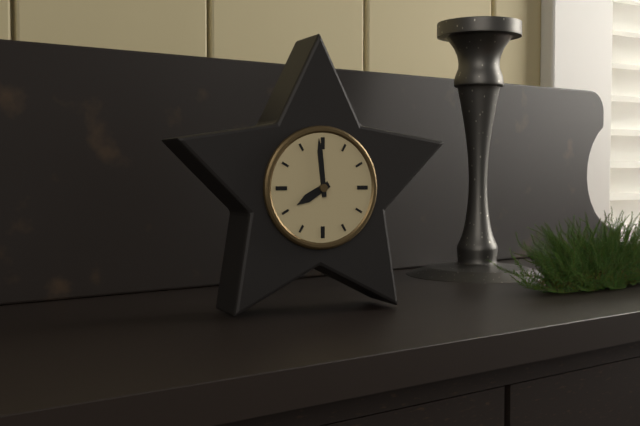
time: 7:59
